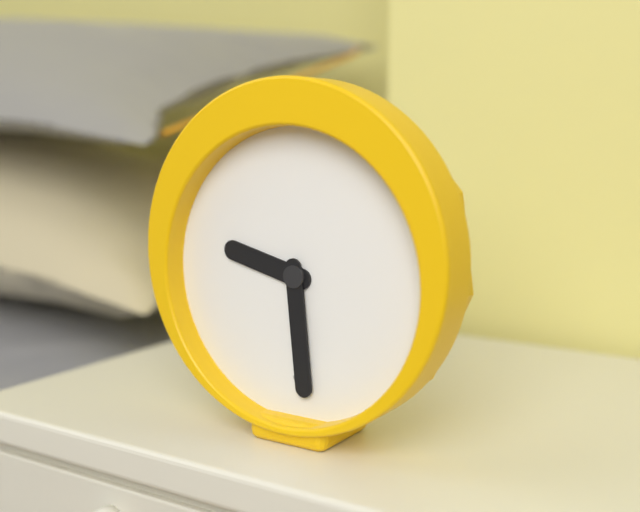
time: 9:29
